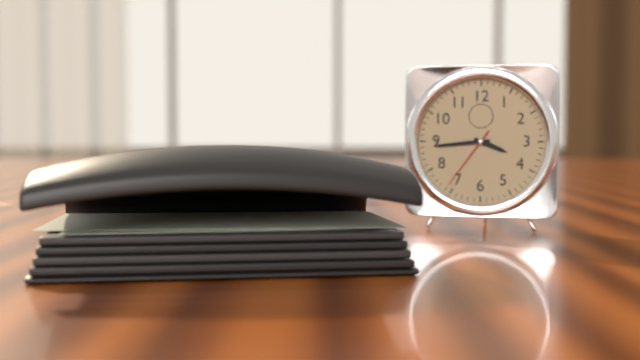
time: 3:44:36
